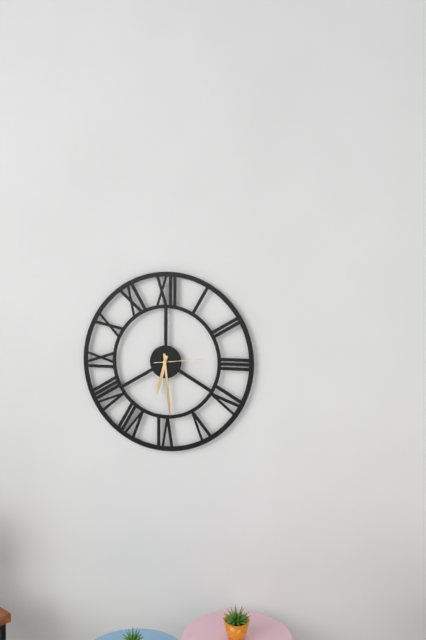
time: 6:29
